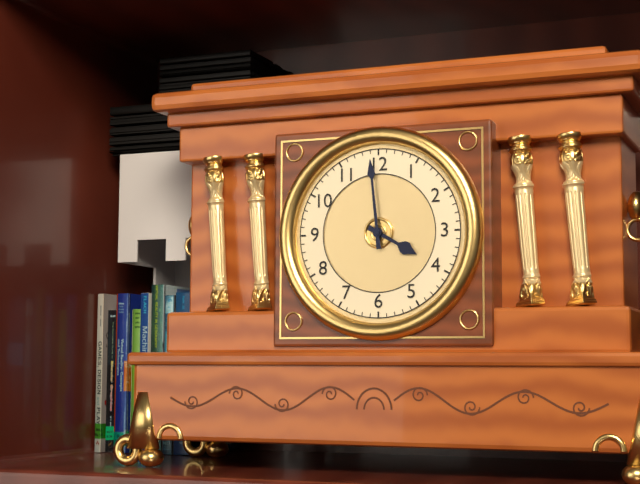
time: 3:59
